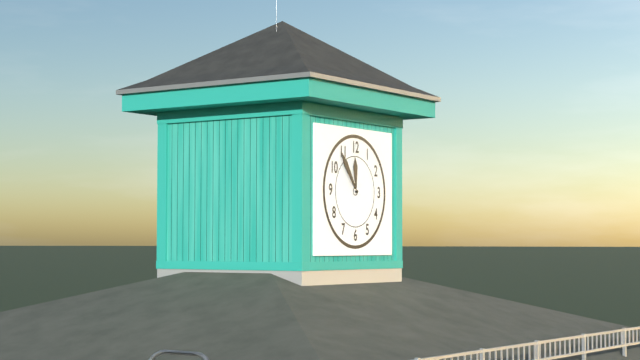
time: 11:54
